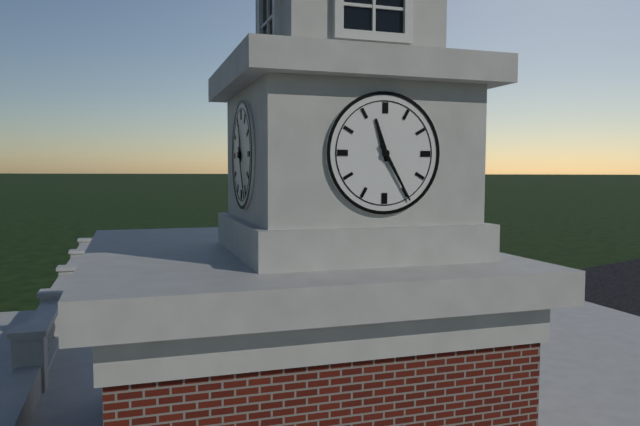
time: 11:25
